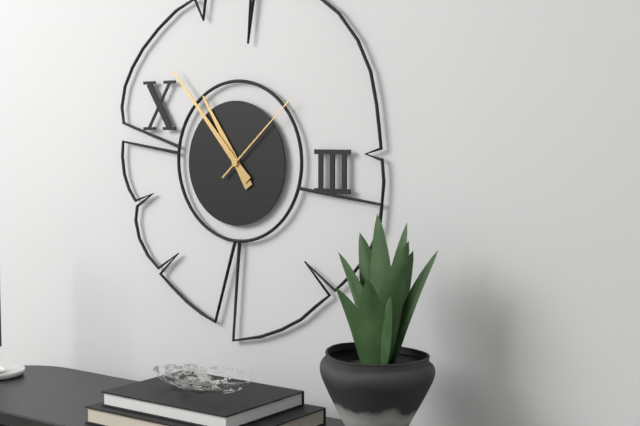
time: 10:53:08
